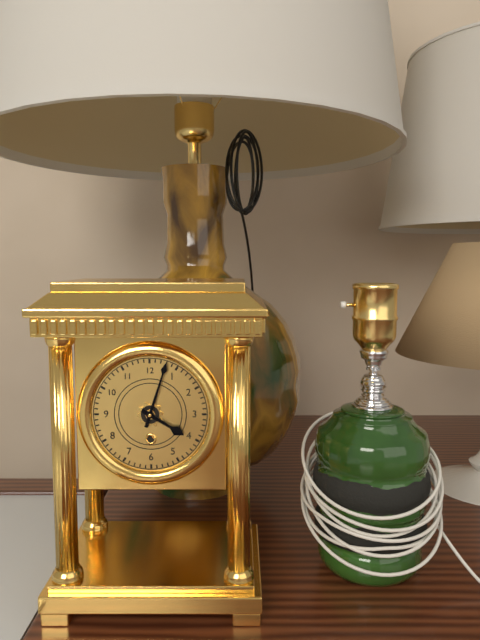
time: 4:03
